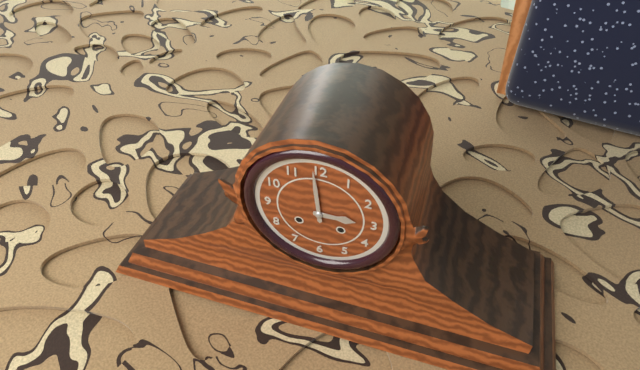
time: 2:59
